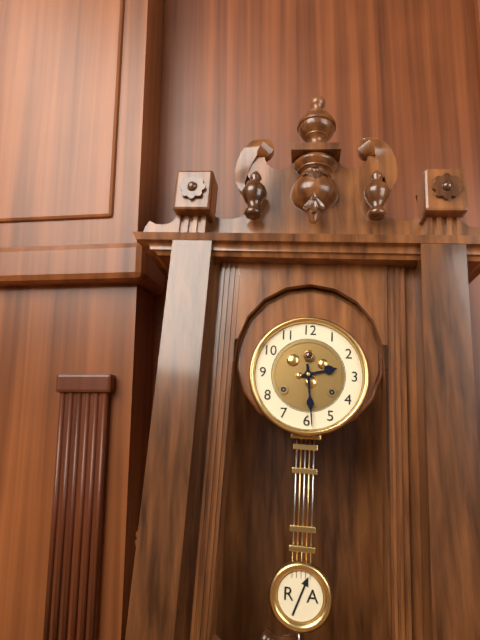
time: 2:29
